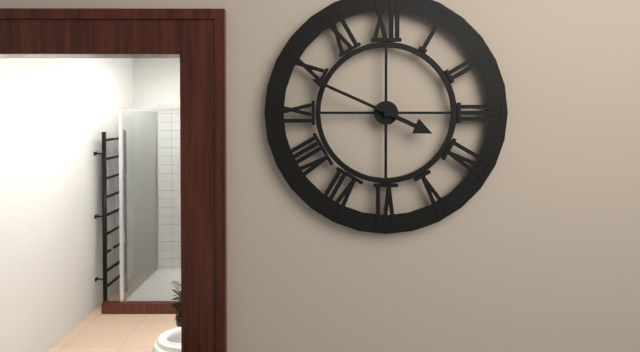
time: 3:49
